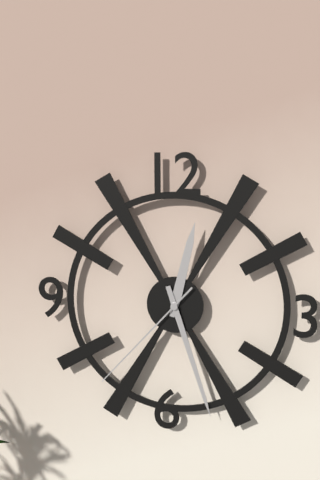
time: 12:27:37
